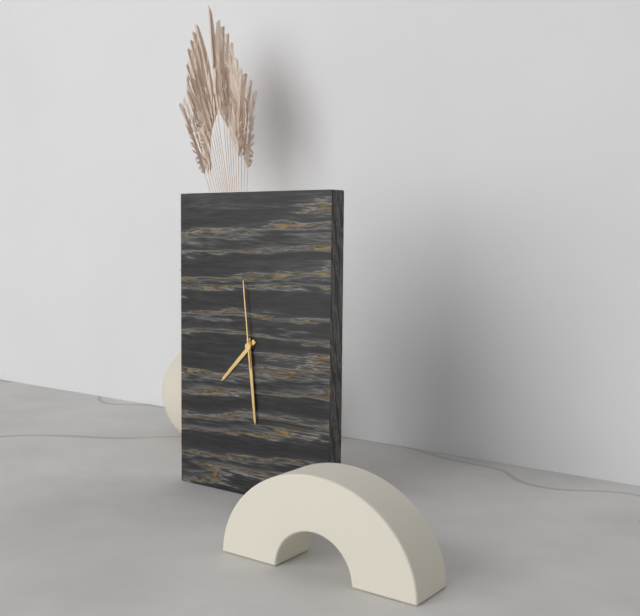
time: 7:29:59
